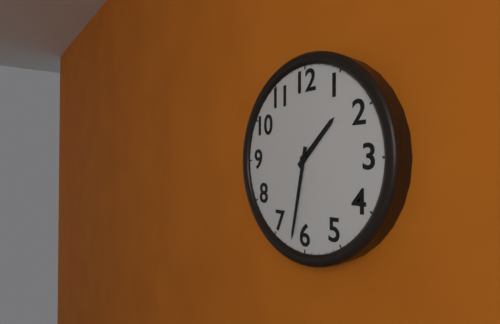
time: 1:32
